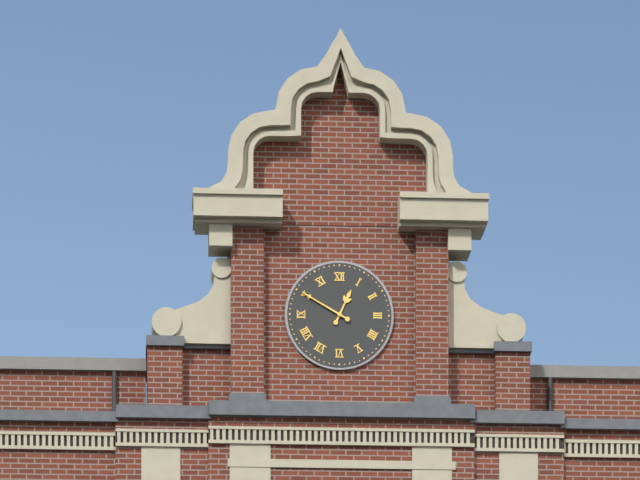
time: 12:50
